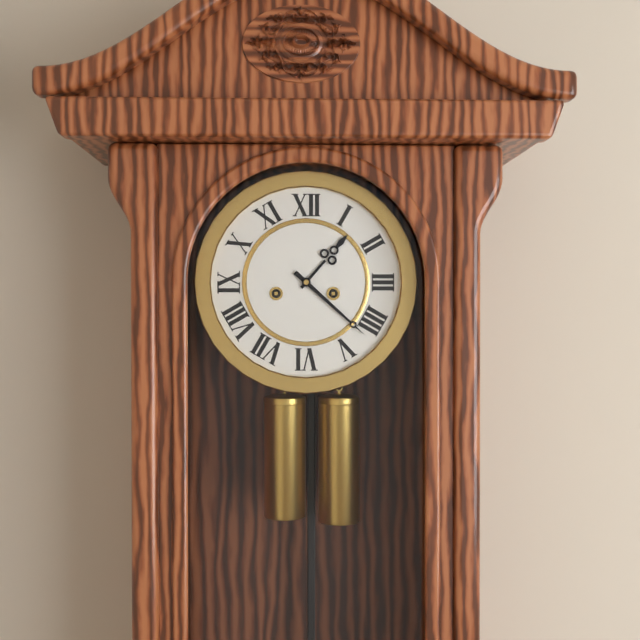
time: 1:22
